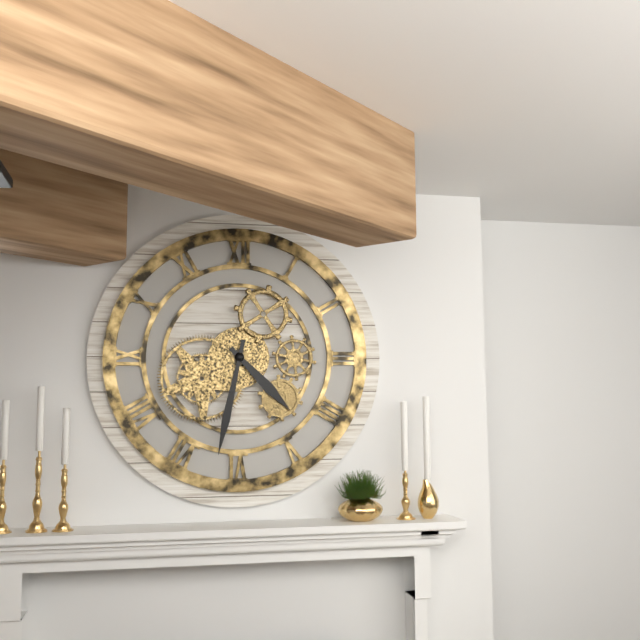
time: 4:32
